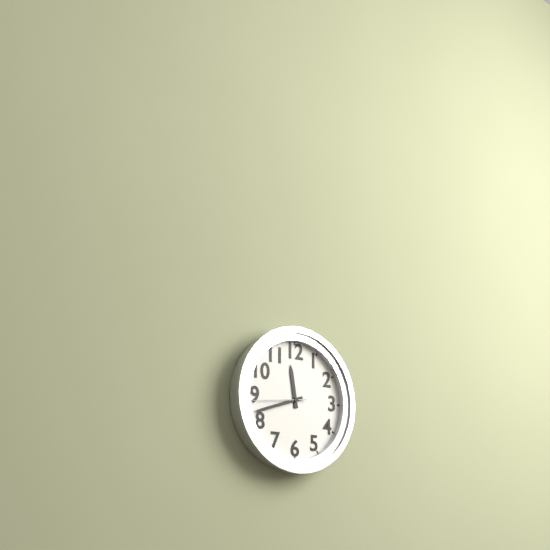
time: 11:42
